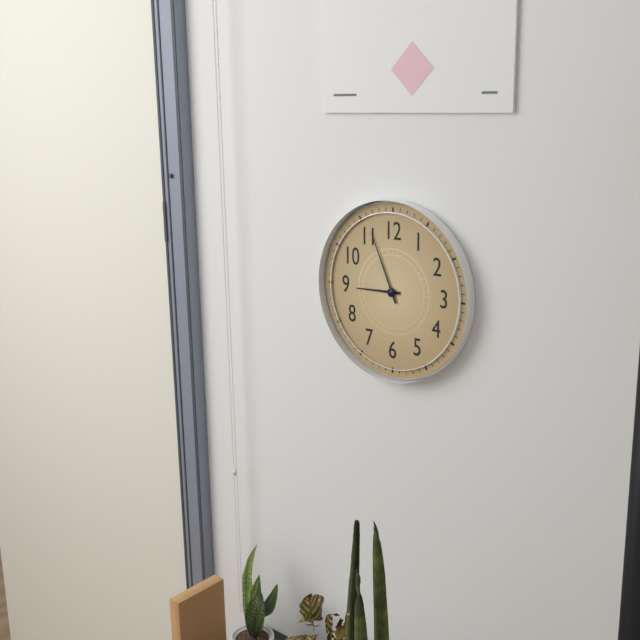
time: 8:56
